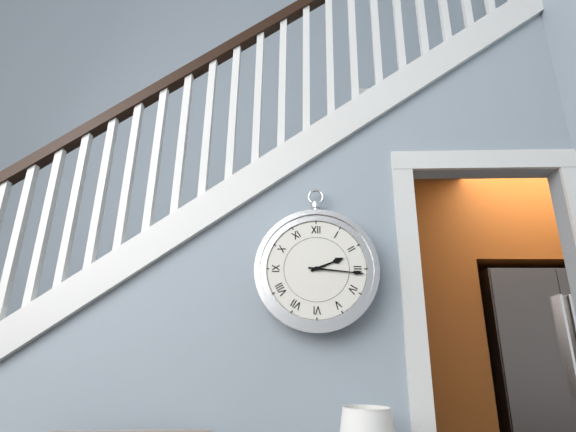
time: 2:16
